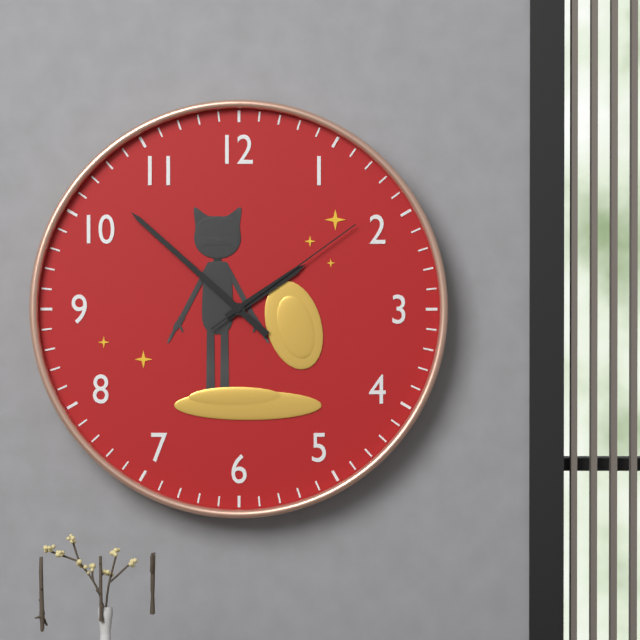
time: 1:52:09
